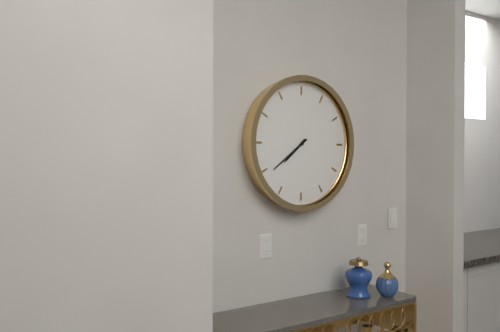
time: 7:39
